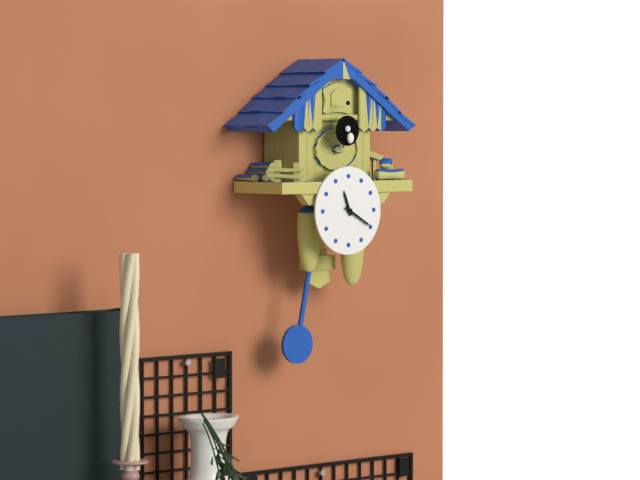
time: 11:20
